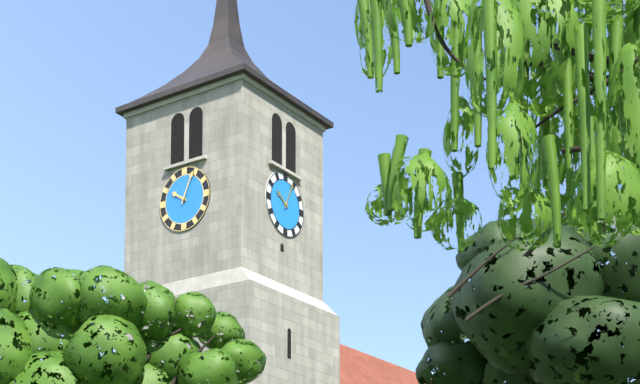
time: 10:04
